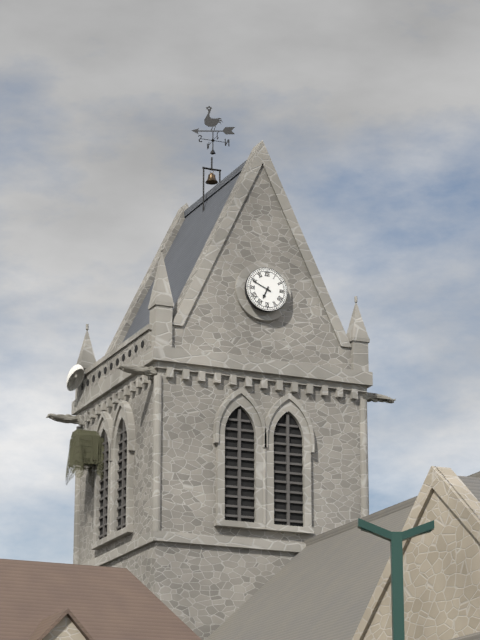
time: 6:49
